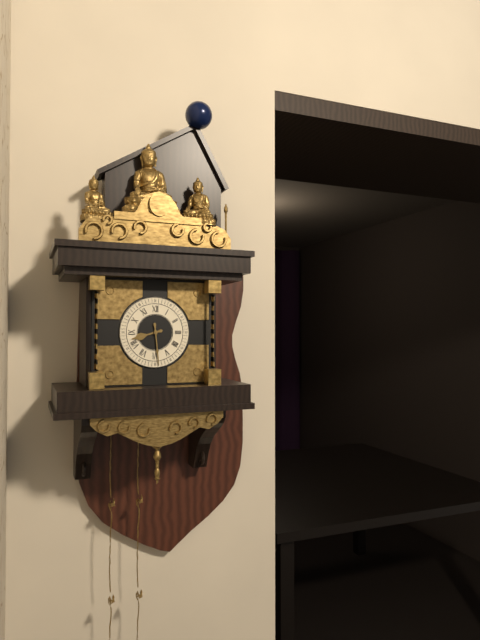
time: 8:29
